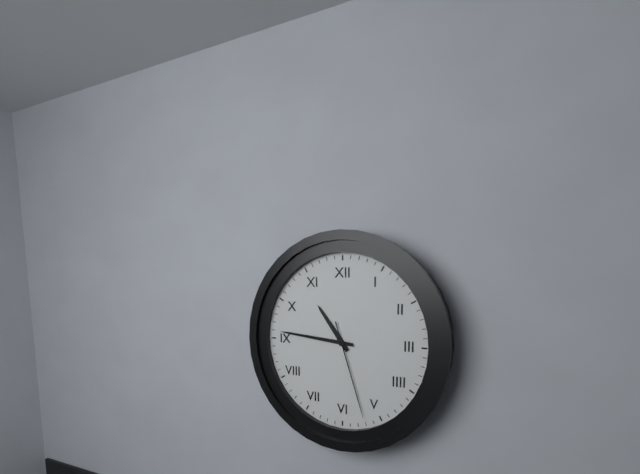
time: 10:46:27
